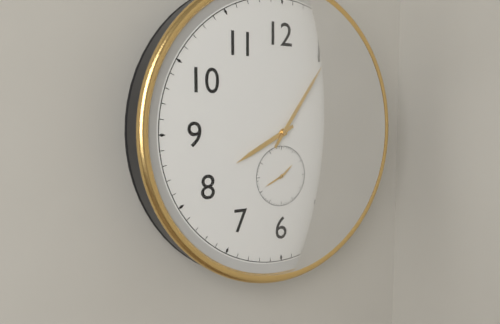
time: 8:06
